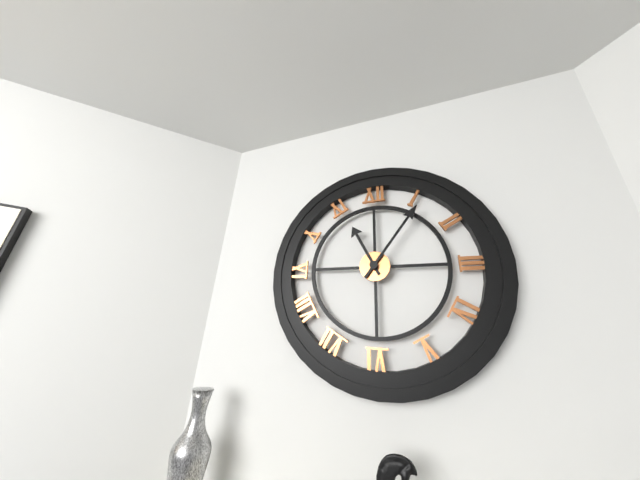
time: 11:06
